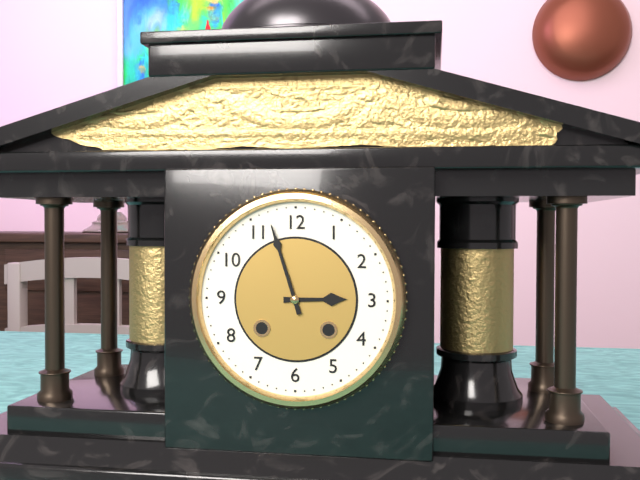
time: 2:57
